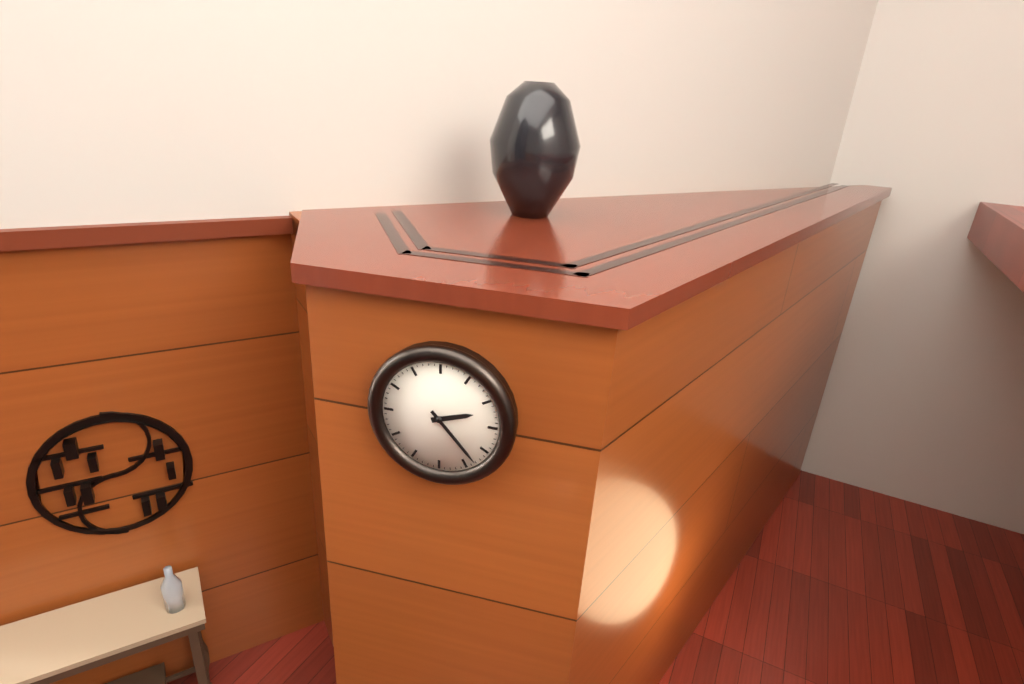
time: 2:23
